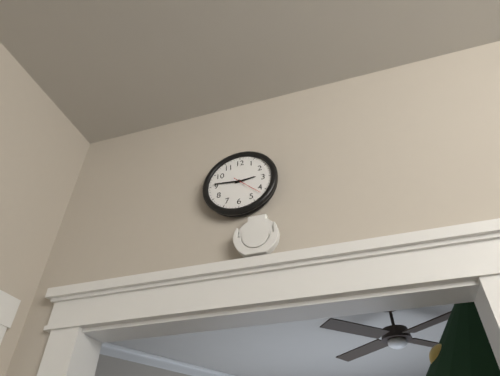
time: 2:46
